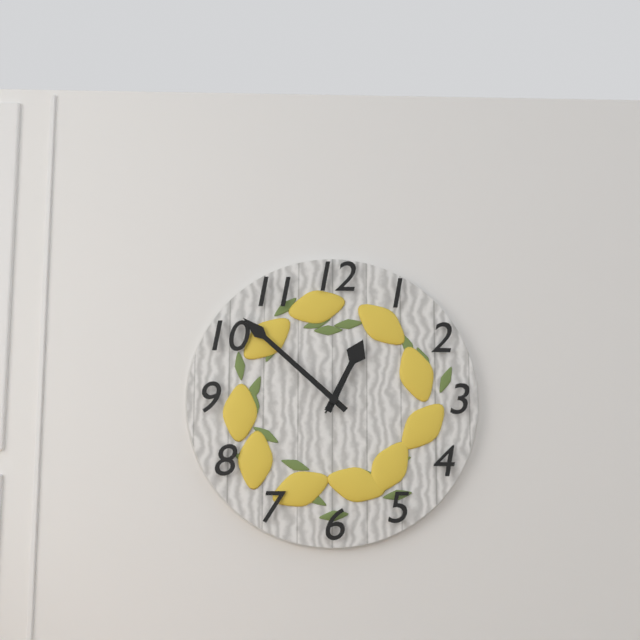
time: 12:52:05
